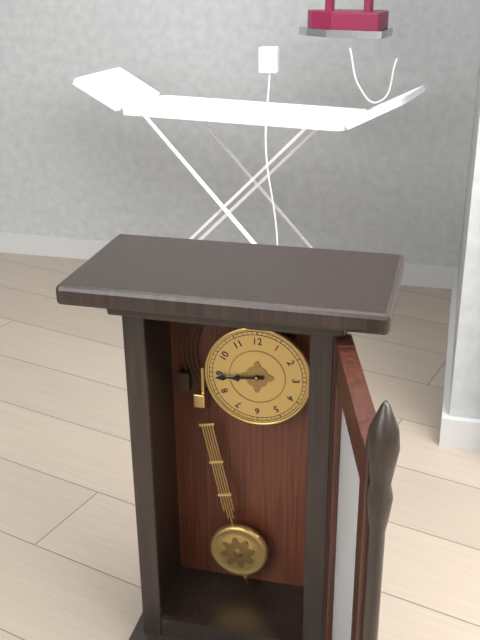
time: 8:44
